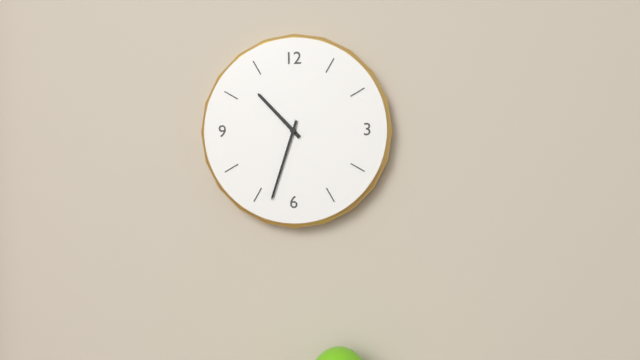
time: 10:33
